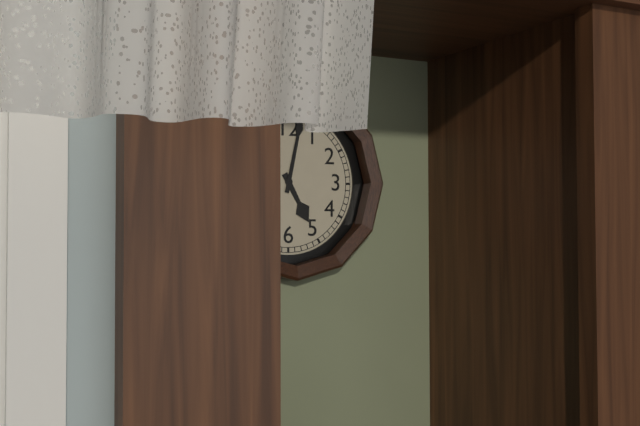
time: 5:02
